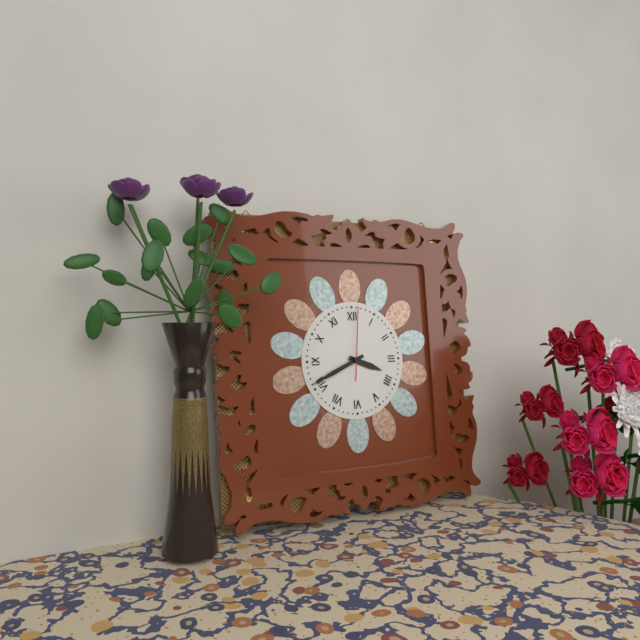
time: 3:41:01
